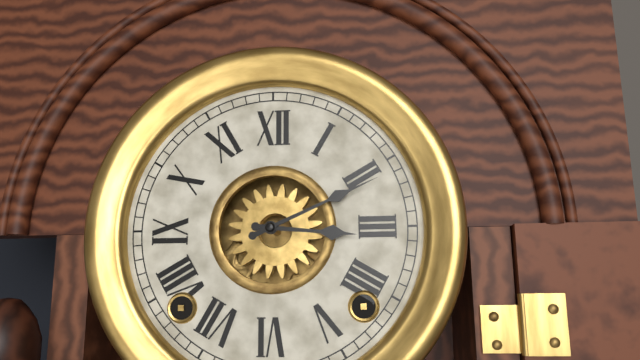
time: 3:11
